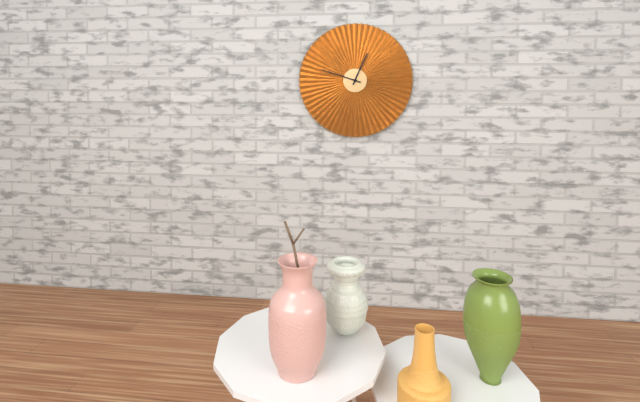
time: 12:48
